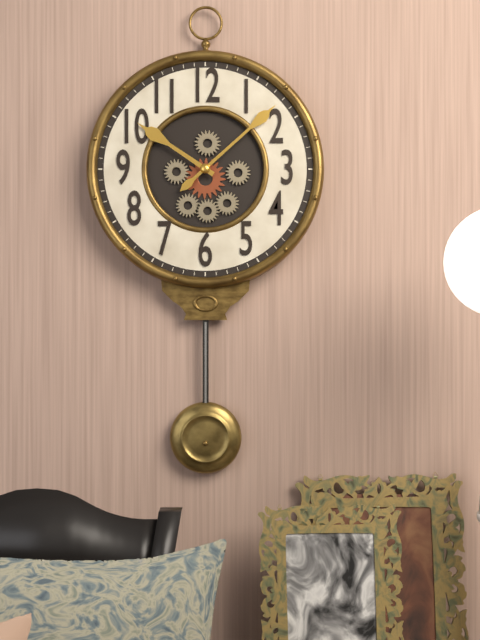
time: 10:08
